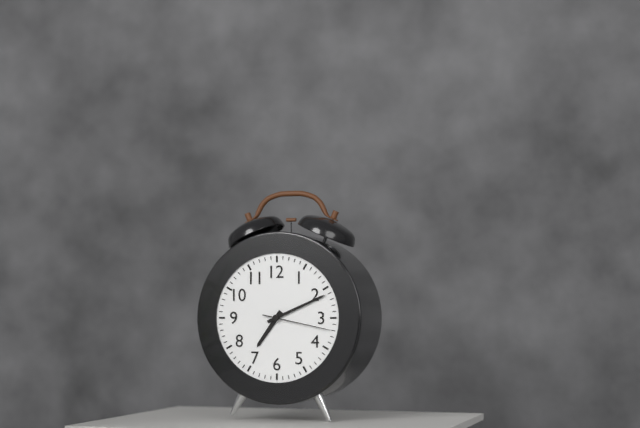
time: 7:11:17
